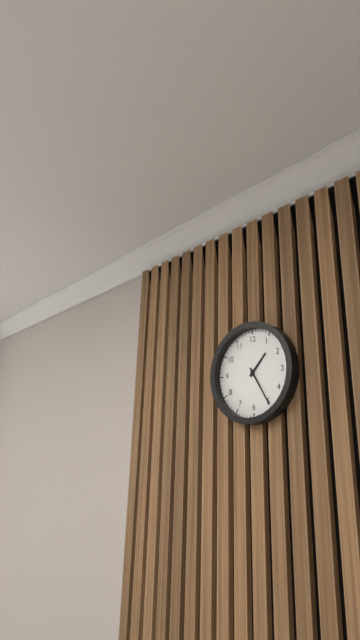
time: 1:25
